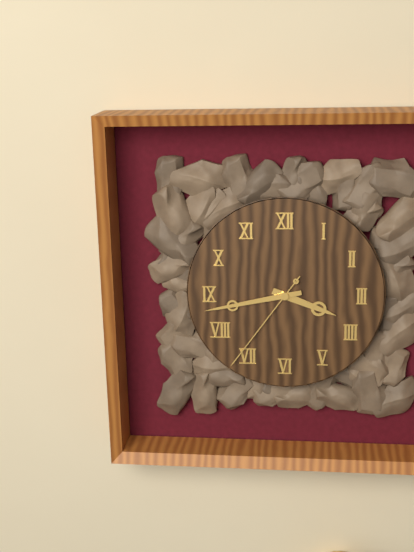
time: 3:43:36
